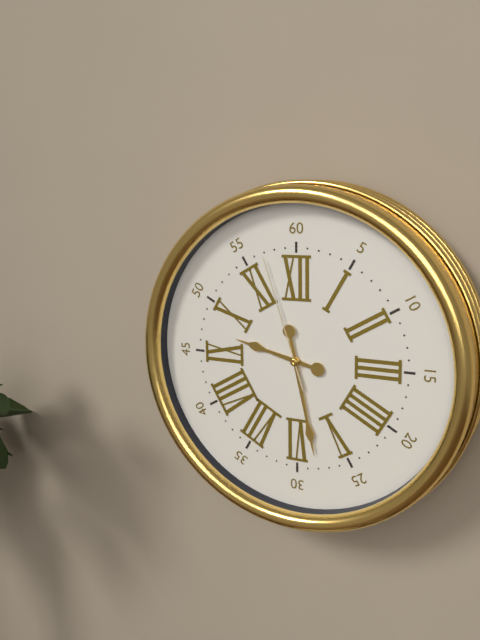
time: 9:28:57
